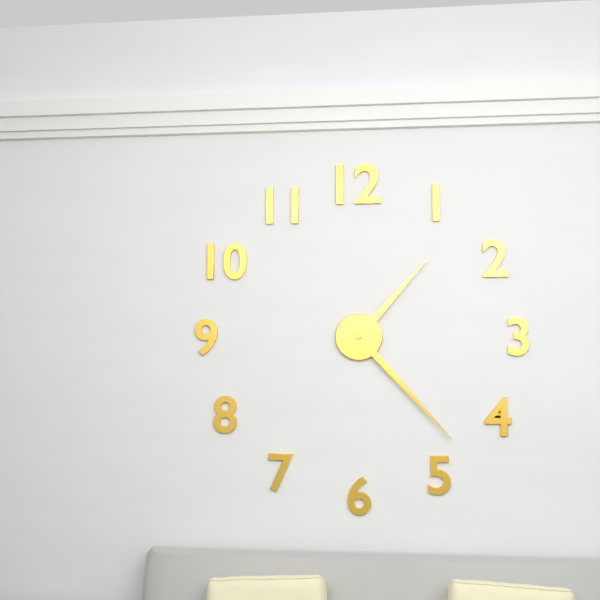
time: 1:23
